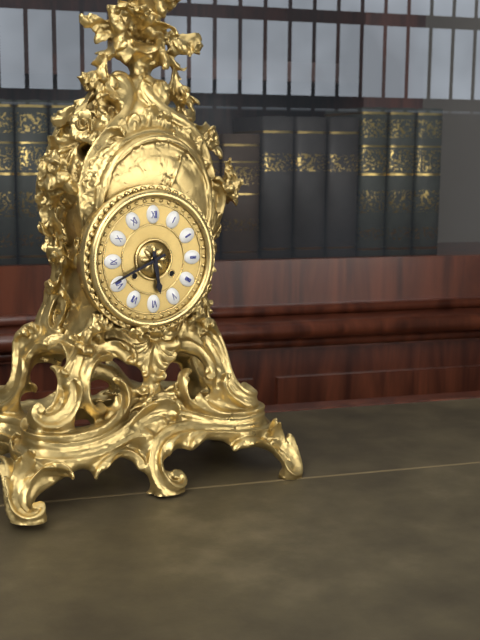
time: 5:41
